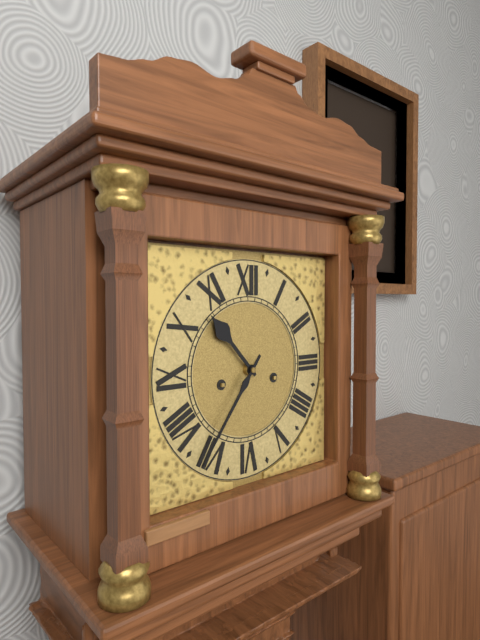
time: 10:36
